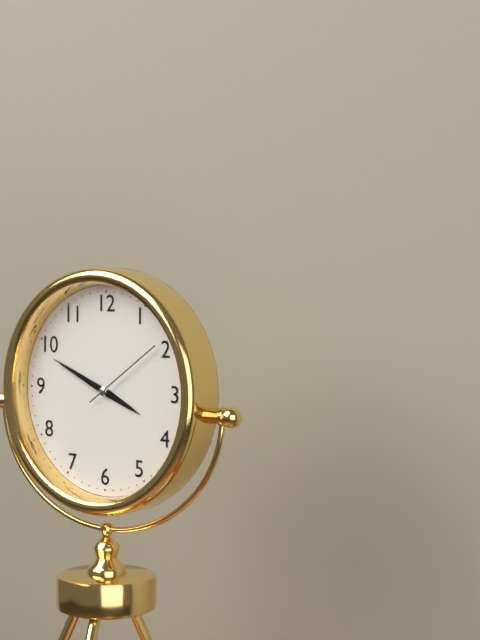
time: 3:49:09
